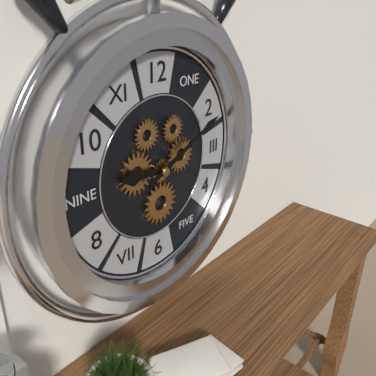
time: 9:11
